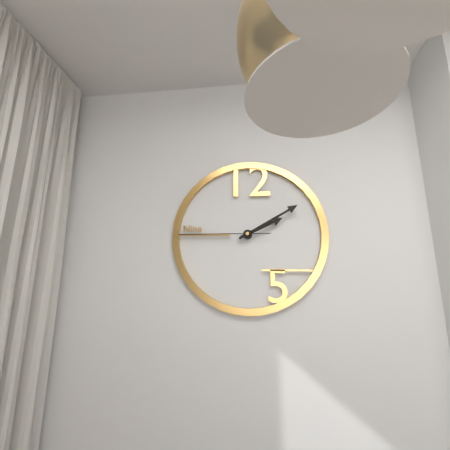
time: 2:10:45
